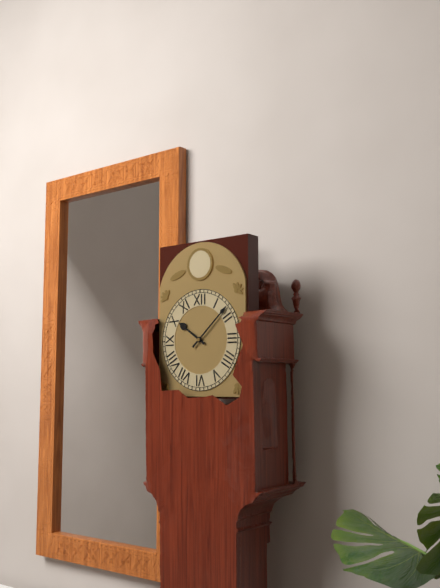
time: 10:08
